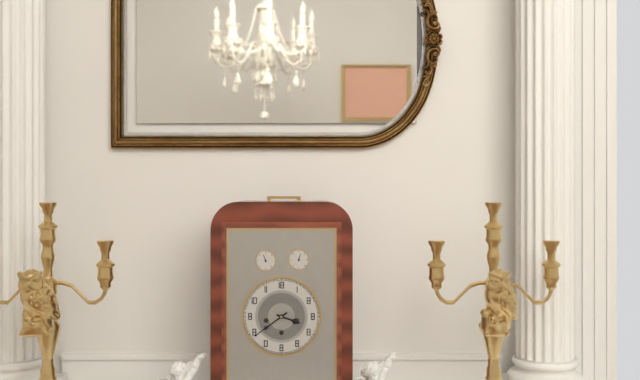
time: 3:39
